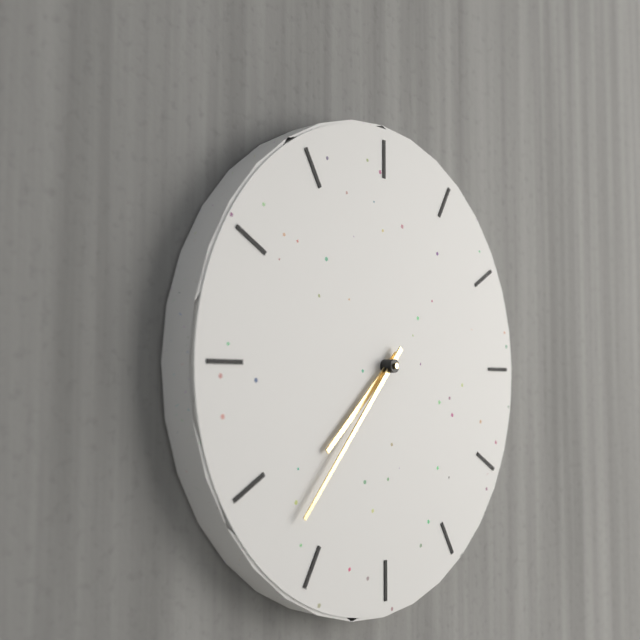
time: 7:37
